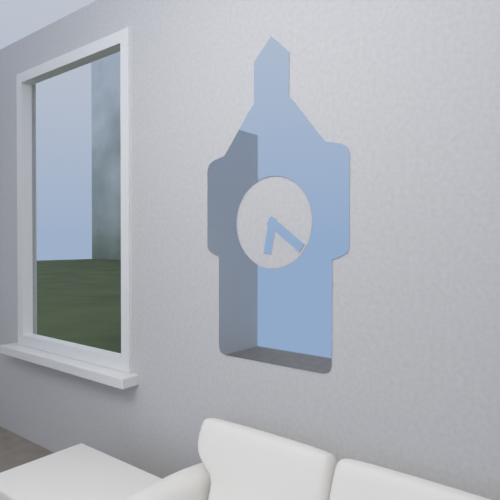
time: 6:21
